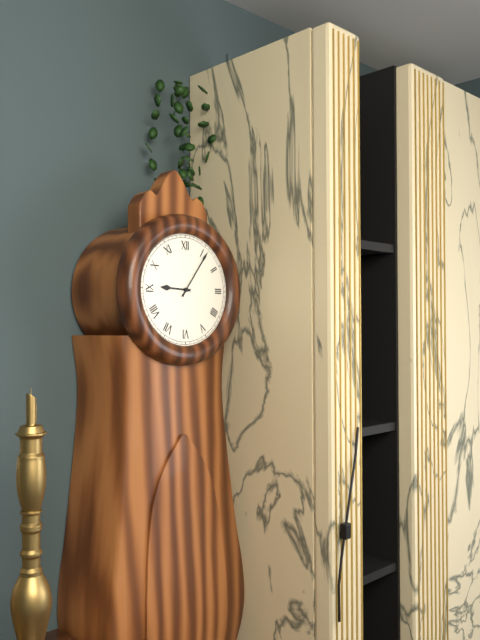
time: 9:06
